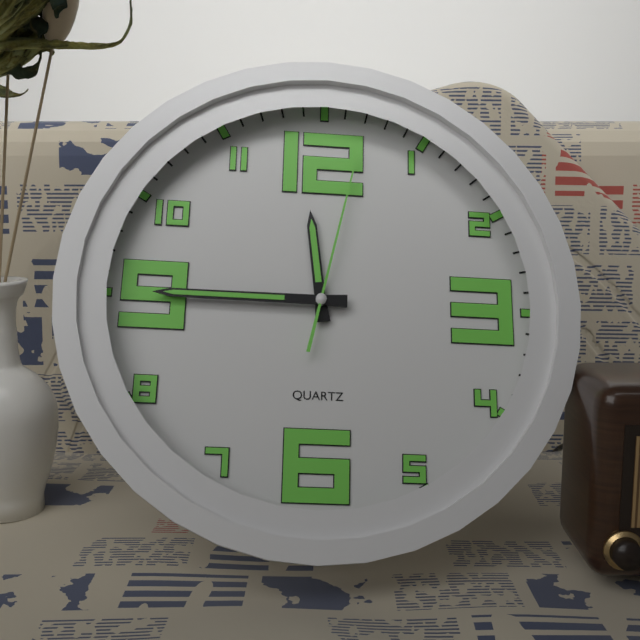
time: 11:45:02
